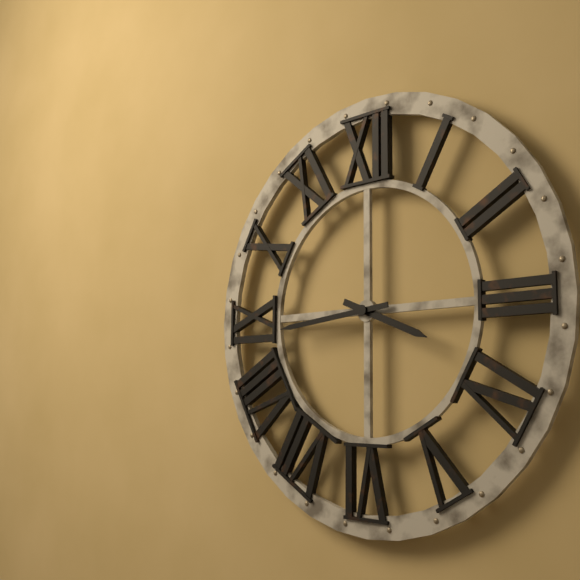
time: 3:44
